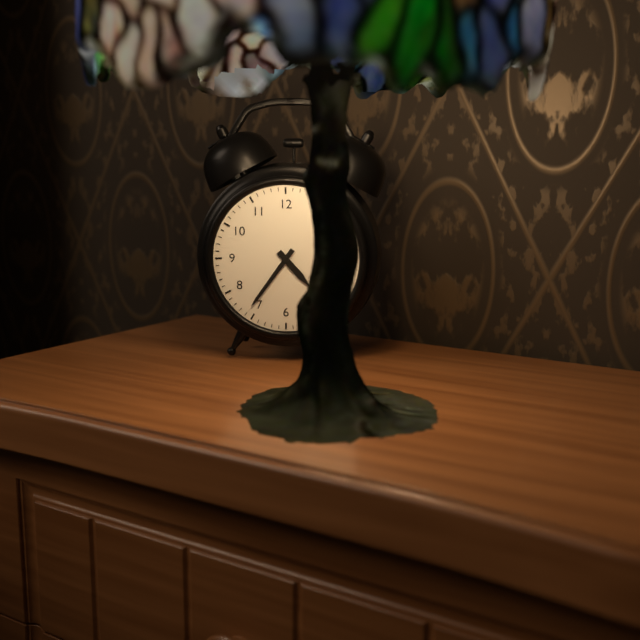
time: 4:36
